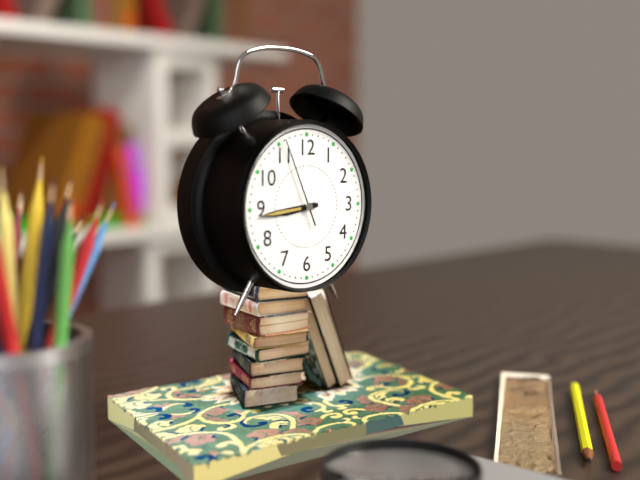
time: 8:44:56
